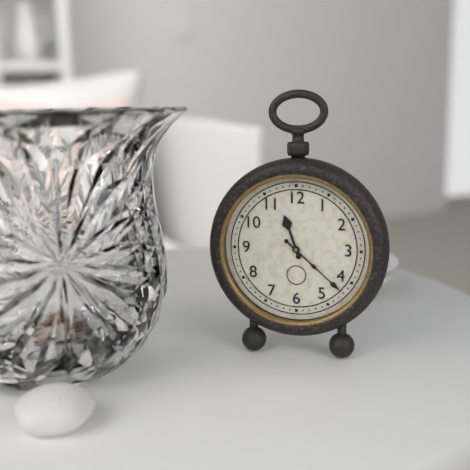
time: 11:22
